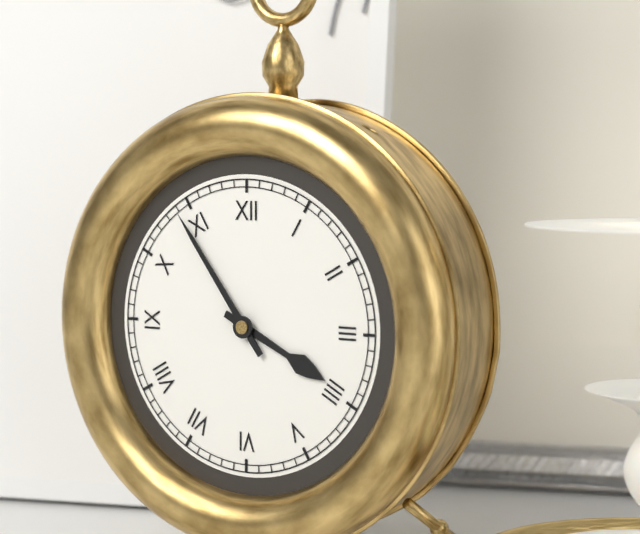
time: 3:54
